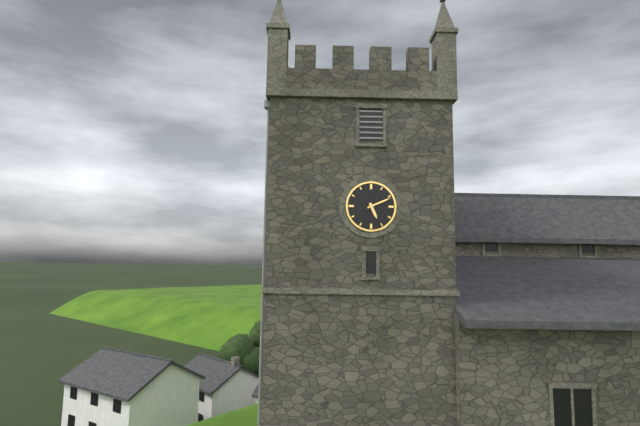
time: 5:11
